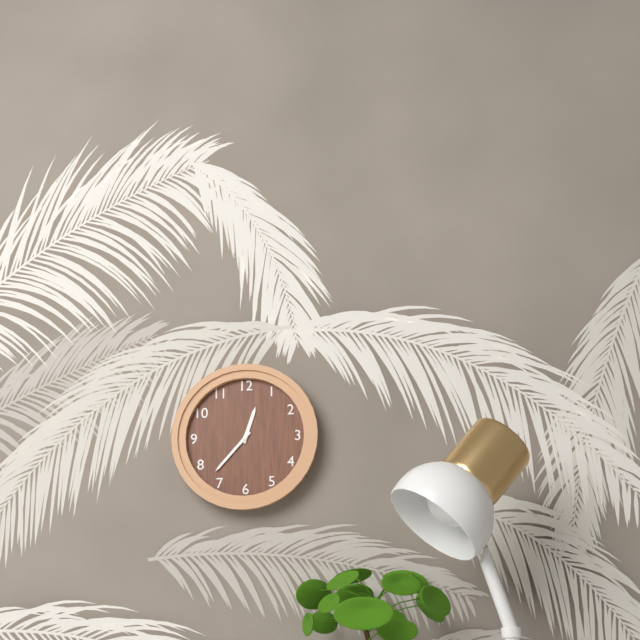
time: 12:37
